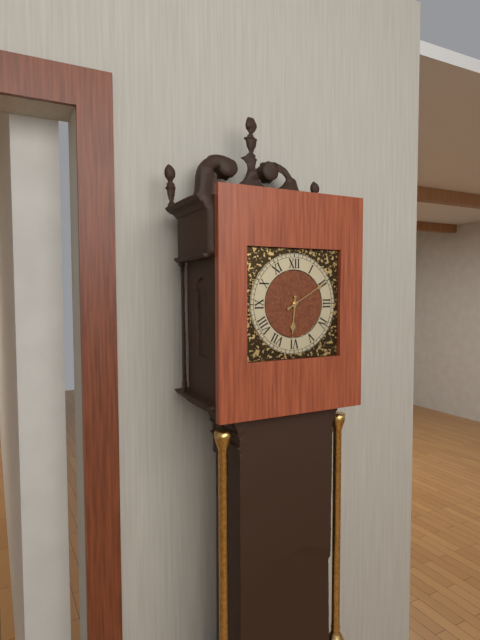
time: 6:10
